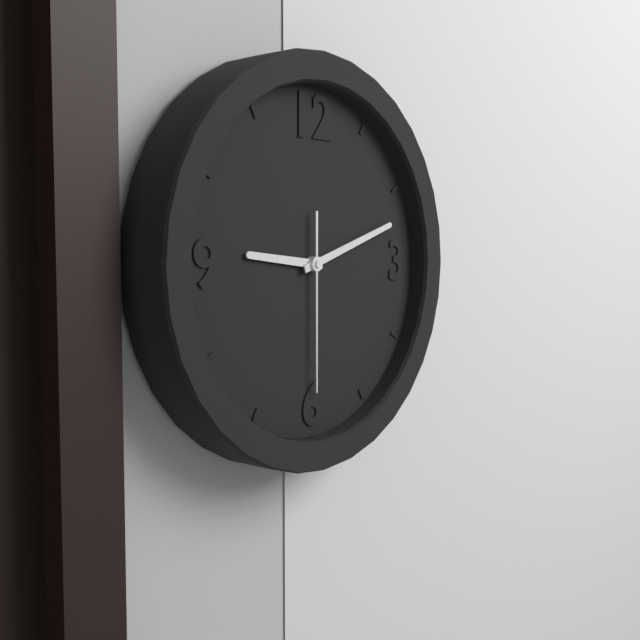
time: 9:12:30
